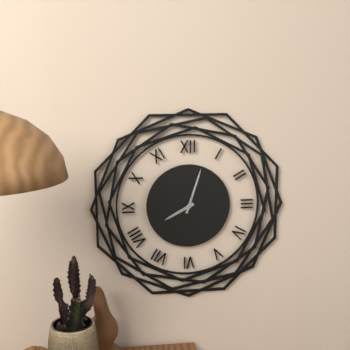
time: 8:03
